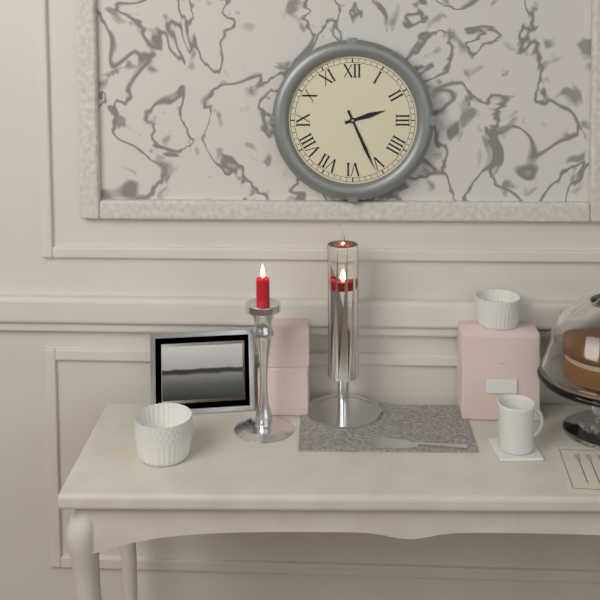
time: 2:26
